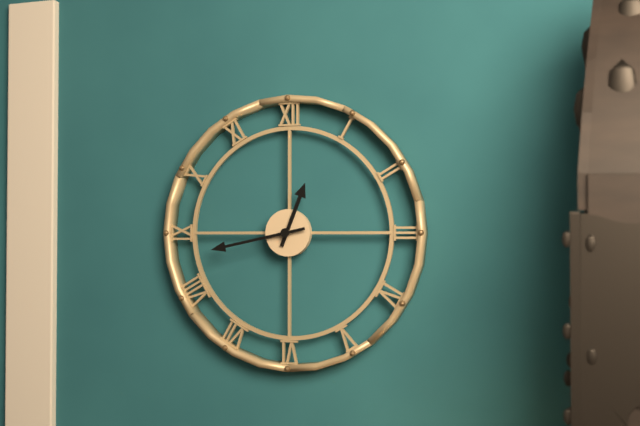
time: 12:43
